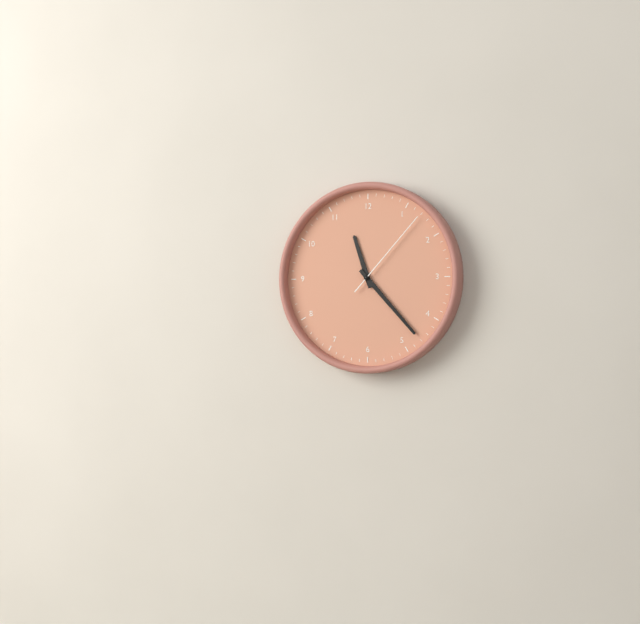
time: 11:23:07
